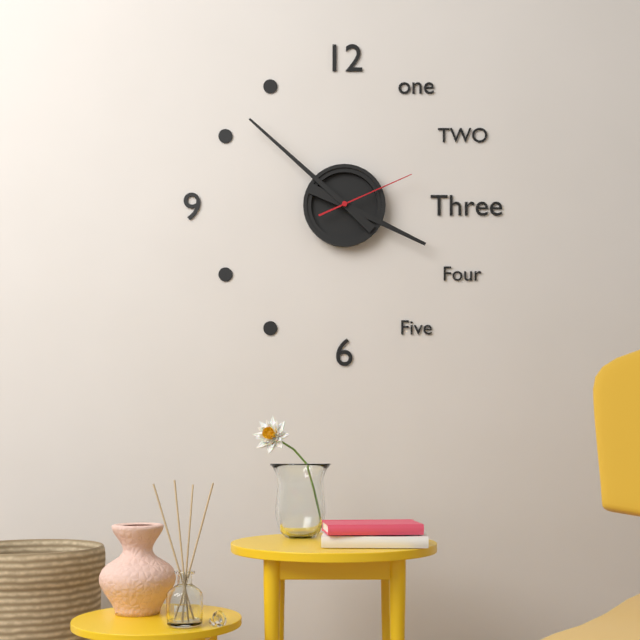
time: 3:52:11
